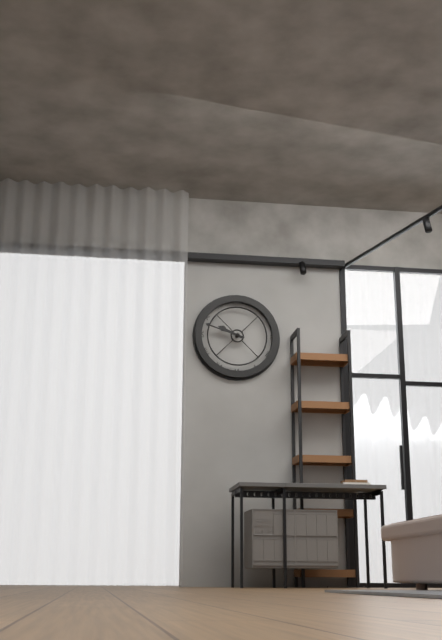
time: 9:48
